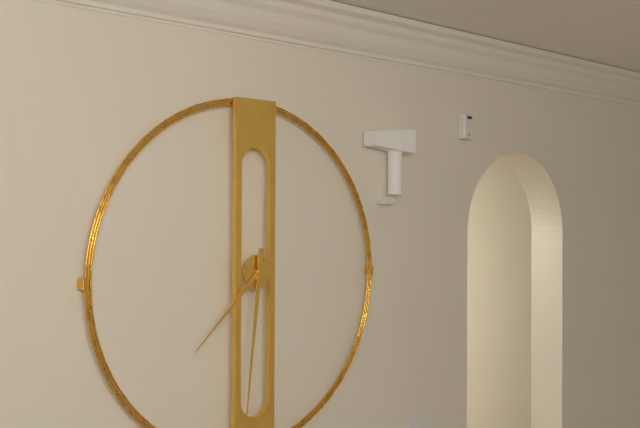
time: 7:31
